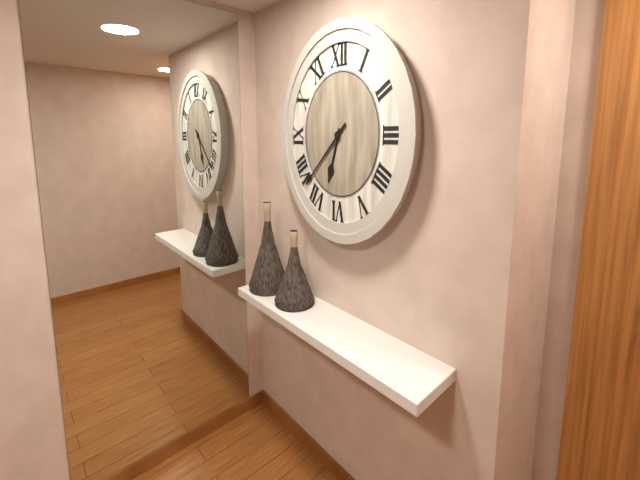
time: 6:38
